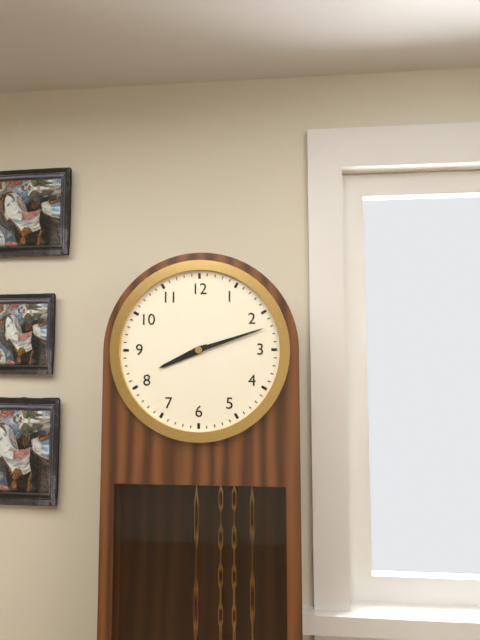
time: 8:12
